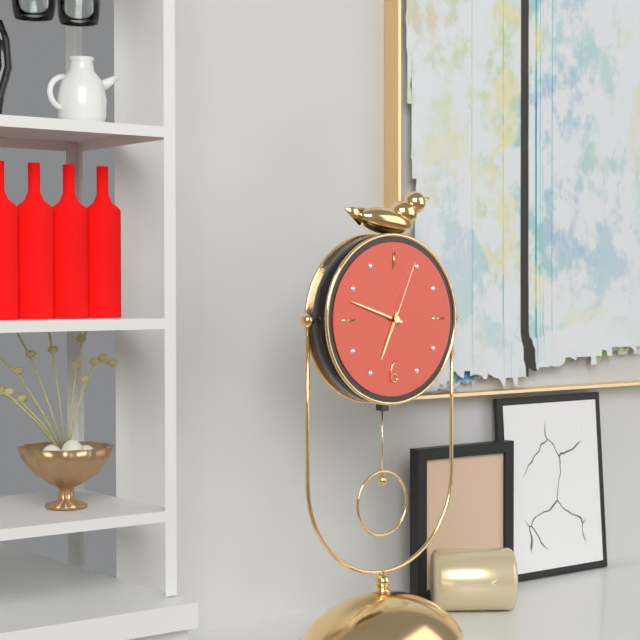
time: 6:48:04
